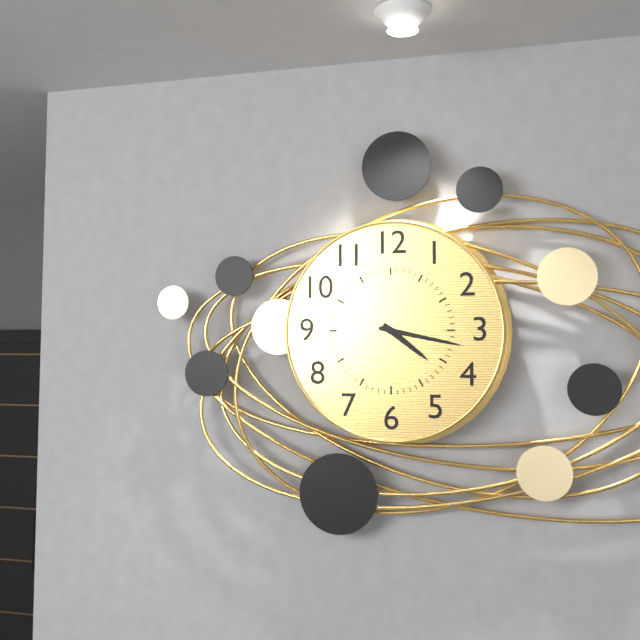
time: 4:17
